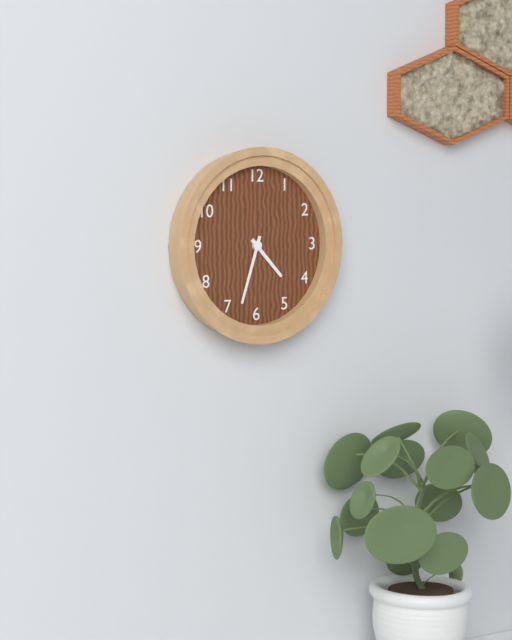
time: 4:33
